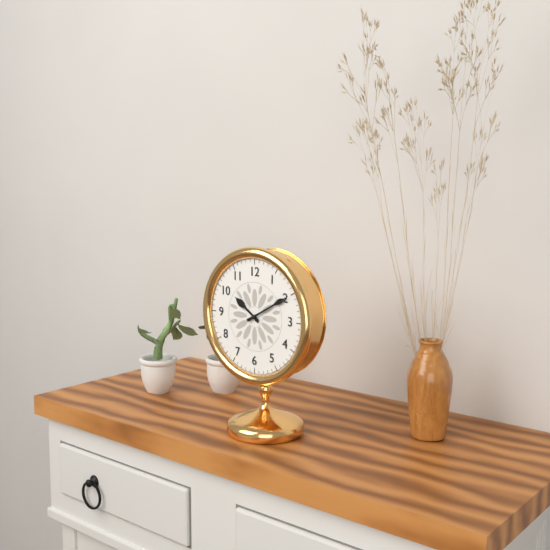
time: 10:10
